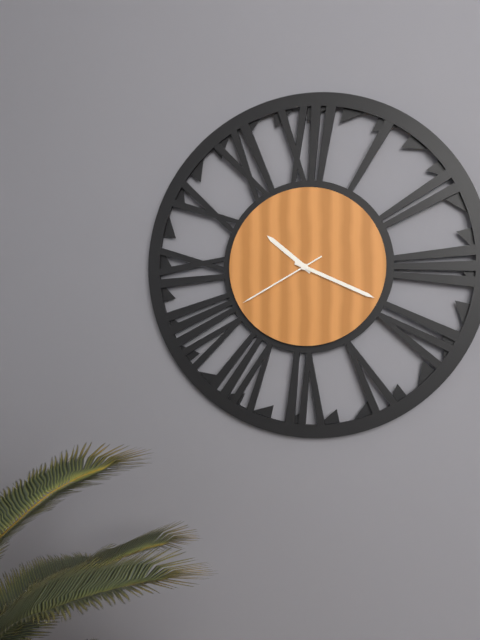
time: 10:19:40
